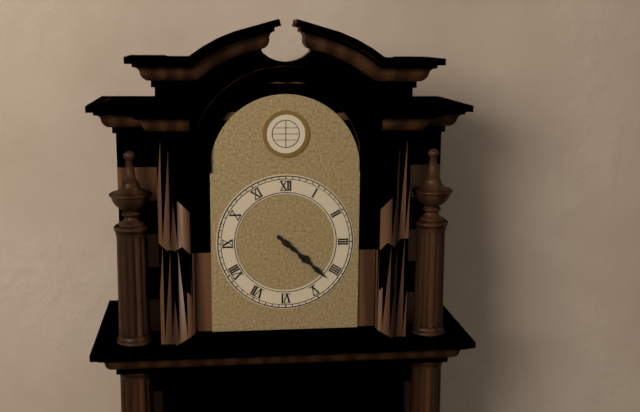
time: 4:22
